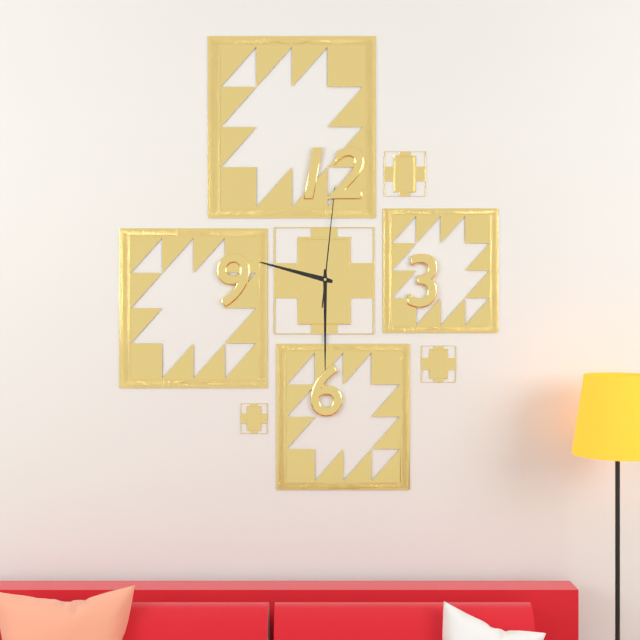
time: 9:30:01
